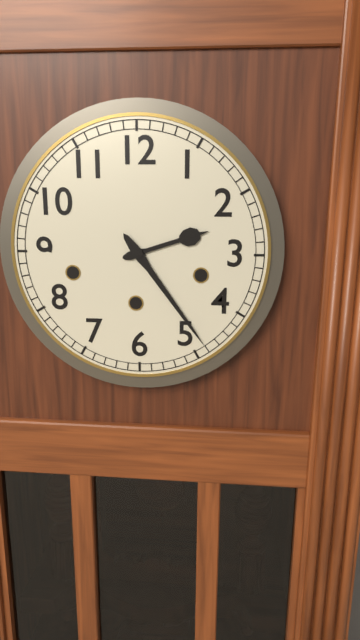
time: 2:24
